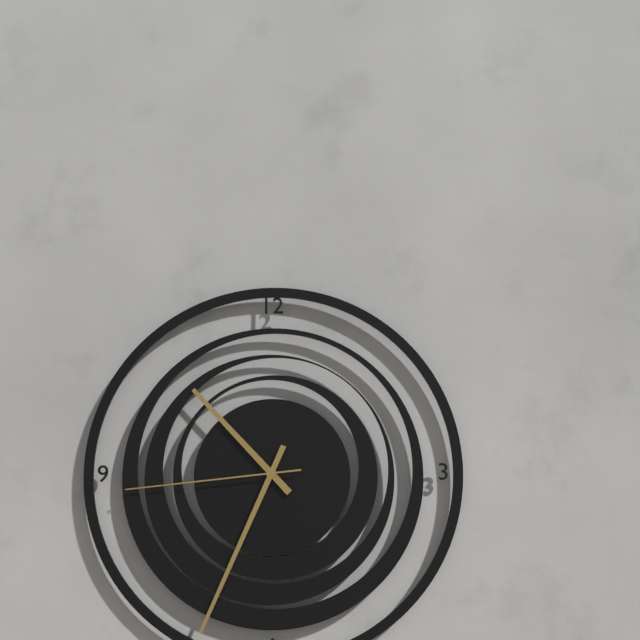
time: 10:34:44
